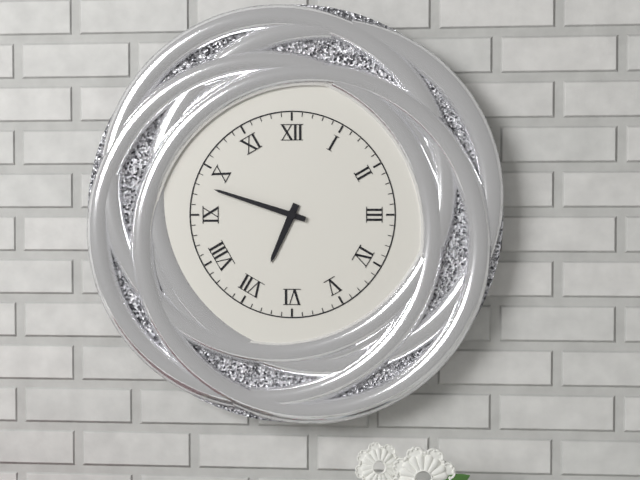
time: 6:48
